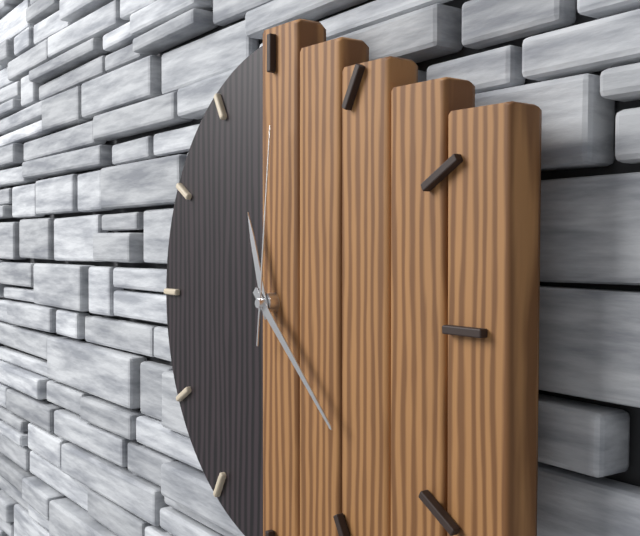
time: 11:22:01
